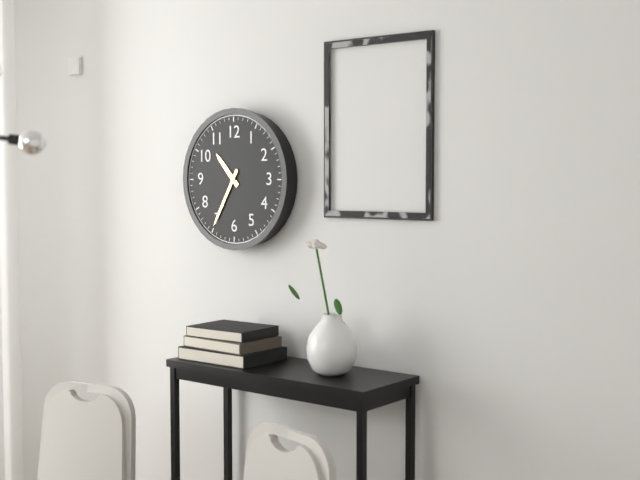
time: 10:35
